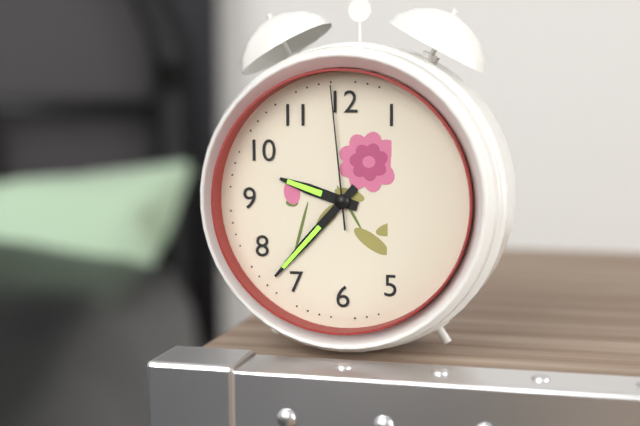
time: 9:37:59
